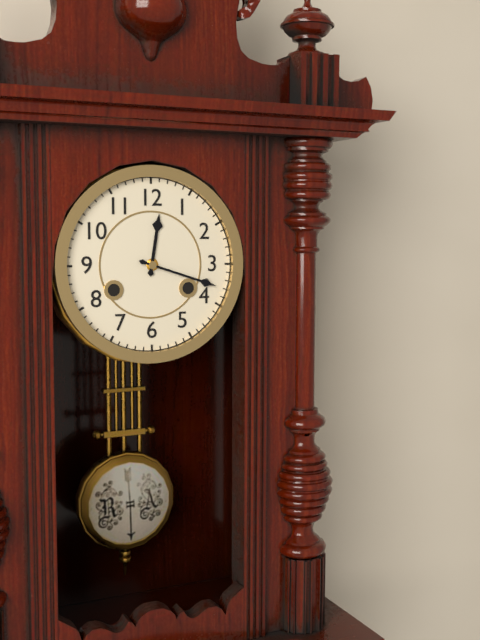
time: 12:18
